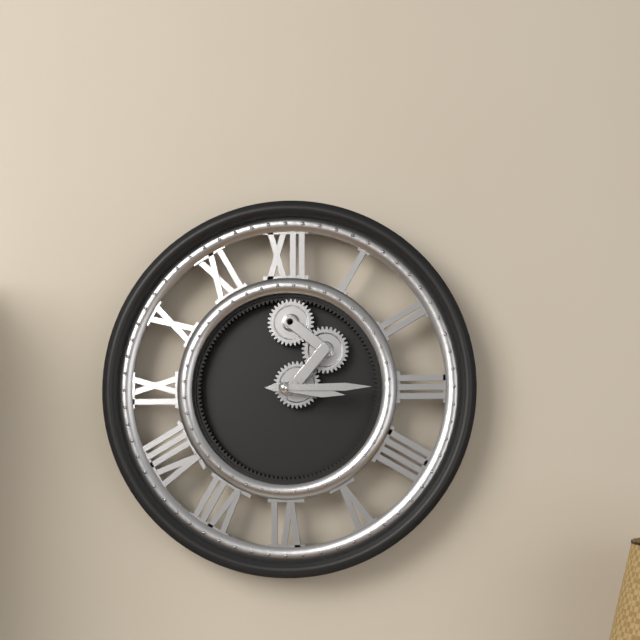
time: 3:15
